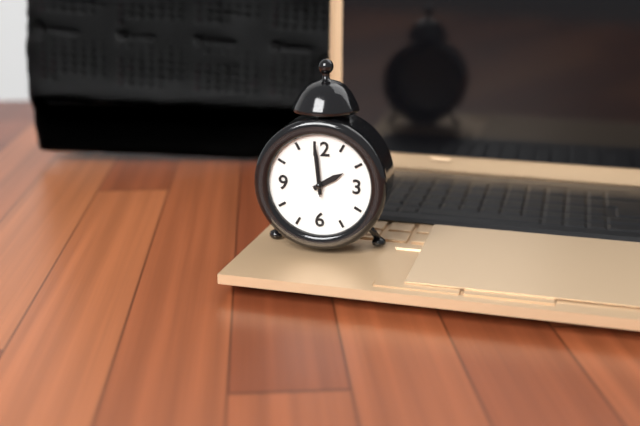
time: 1:59:59
